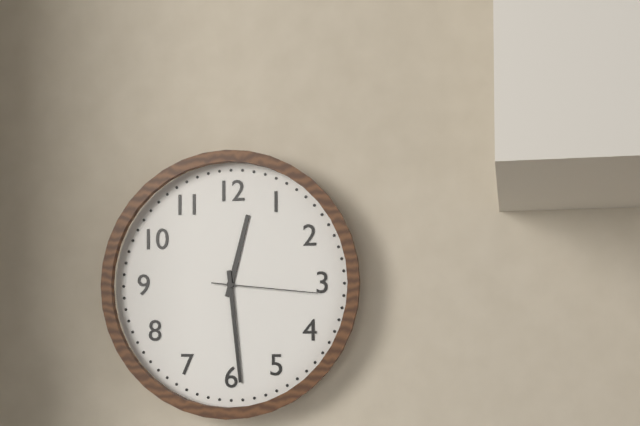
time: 12:29:16
